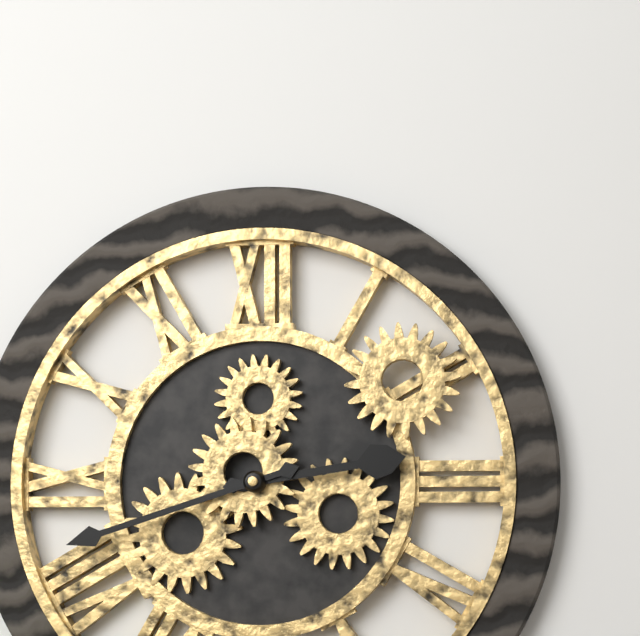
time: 2:42
